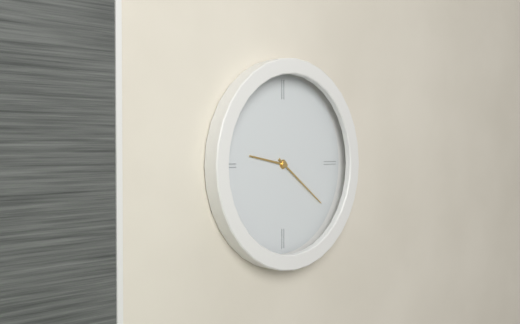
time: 9:21
